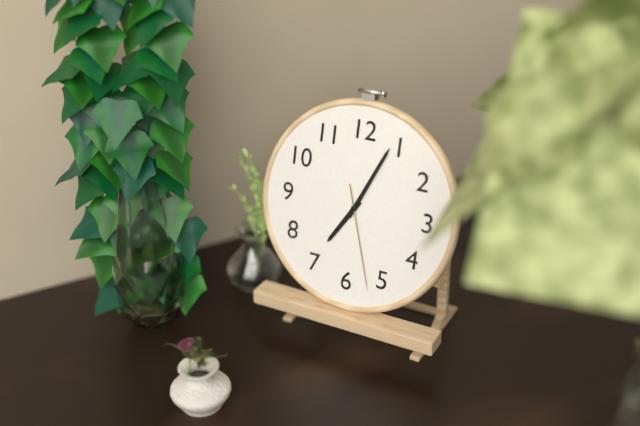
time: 7:04:27
